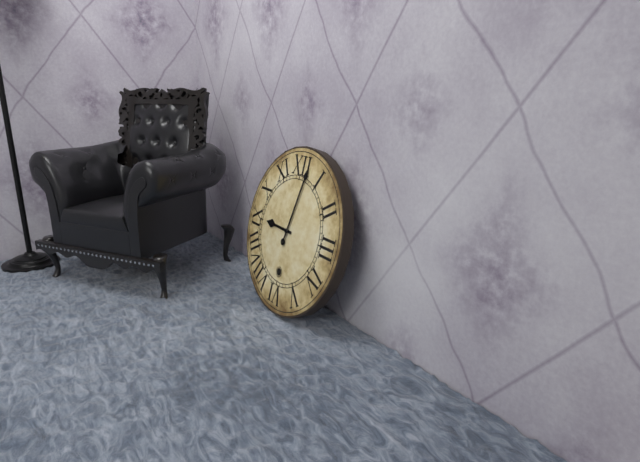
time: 9:02
